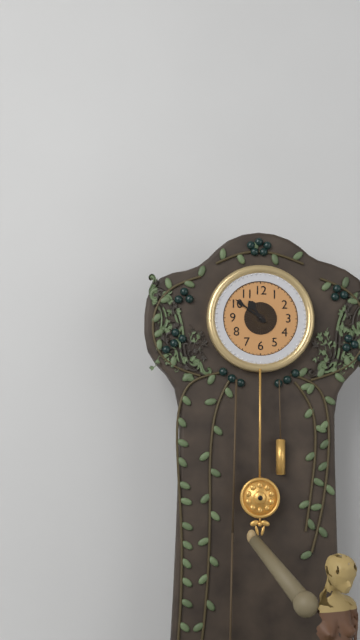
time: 10:51
